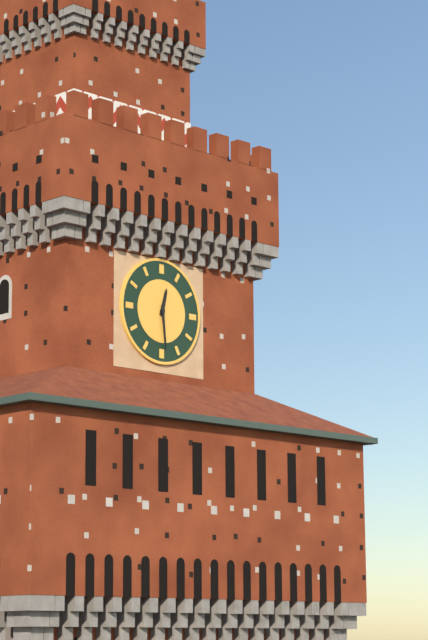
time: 12:29
